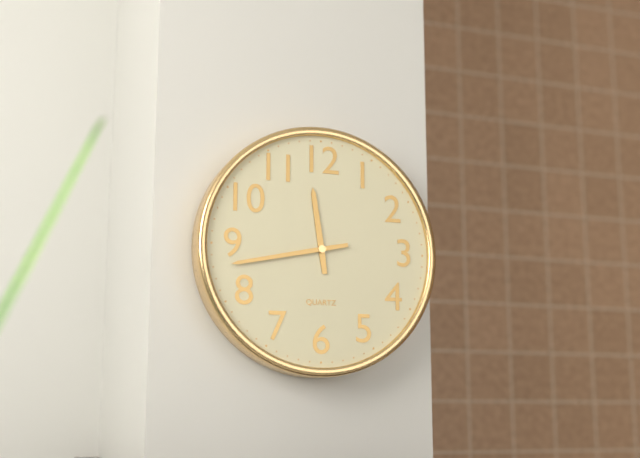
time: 11:43
